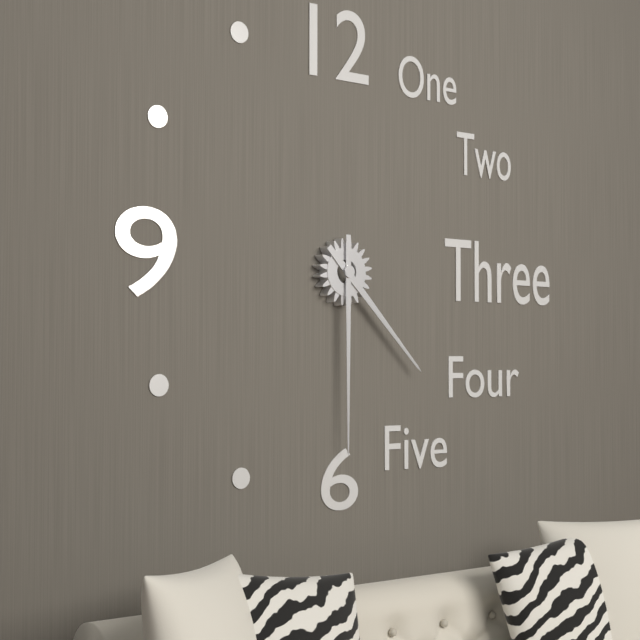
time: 4:30
